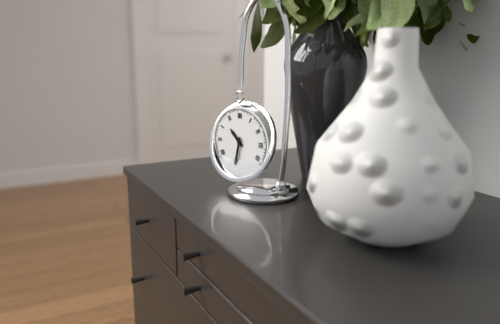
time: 10:32
